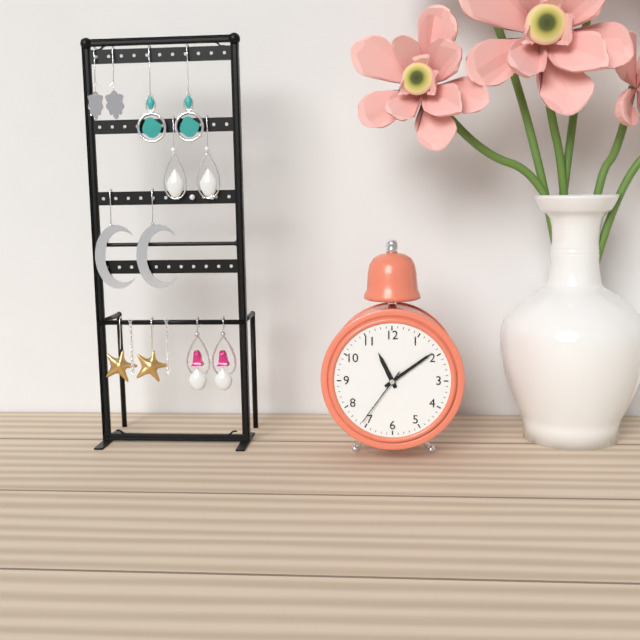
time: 11:09:36
